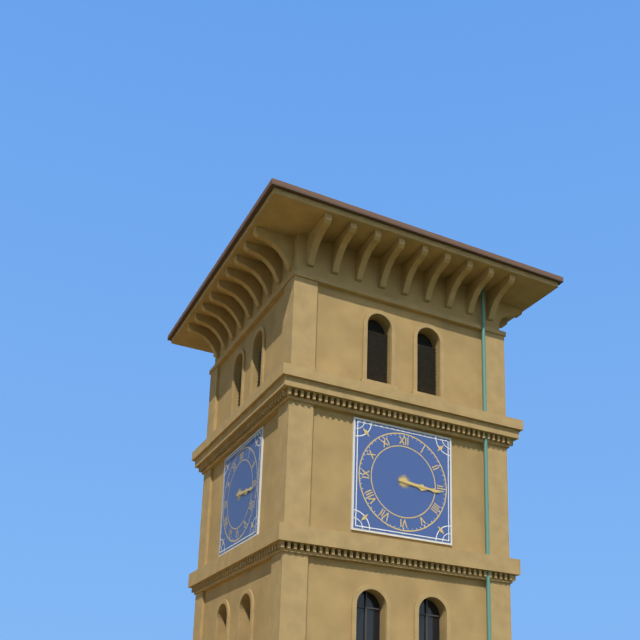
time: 3:16
